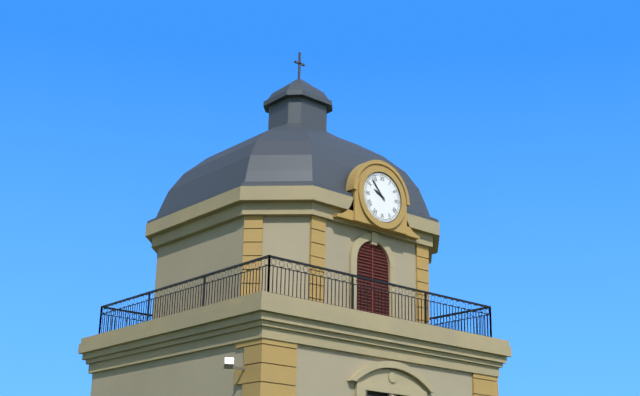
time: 9:53
